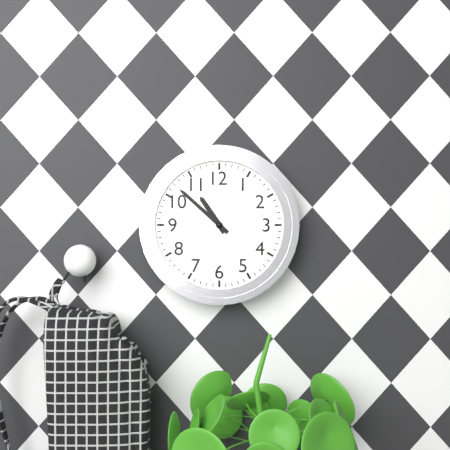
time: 10:52
